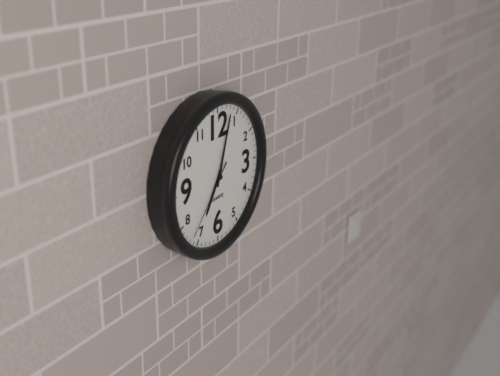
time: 7:03:37
